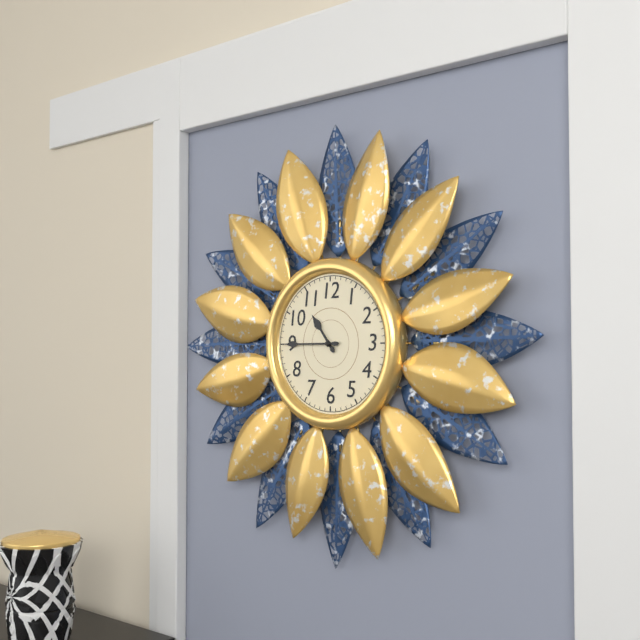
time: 10:45
